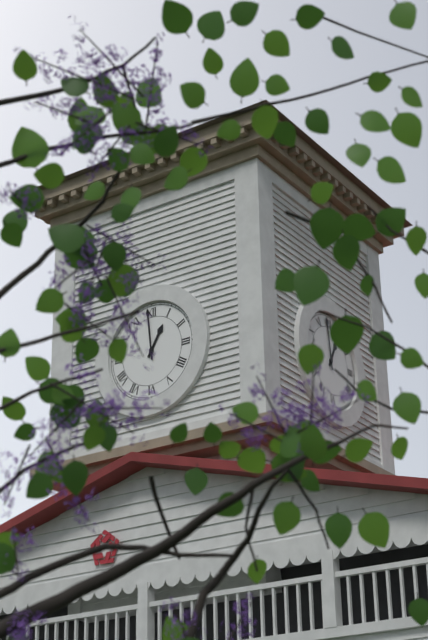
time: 12:59
